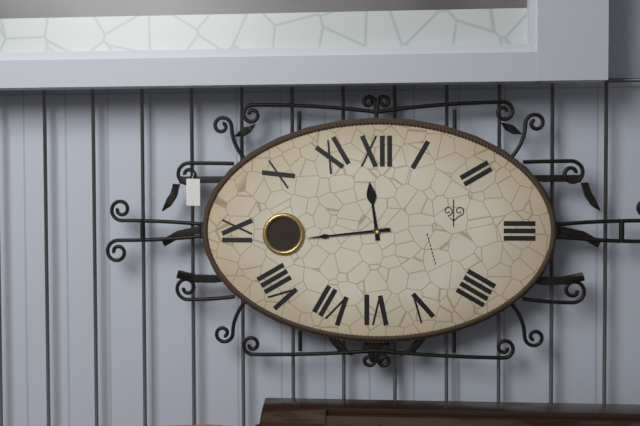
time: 11:44
